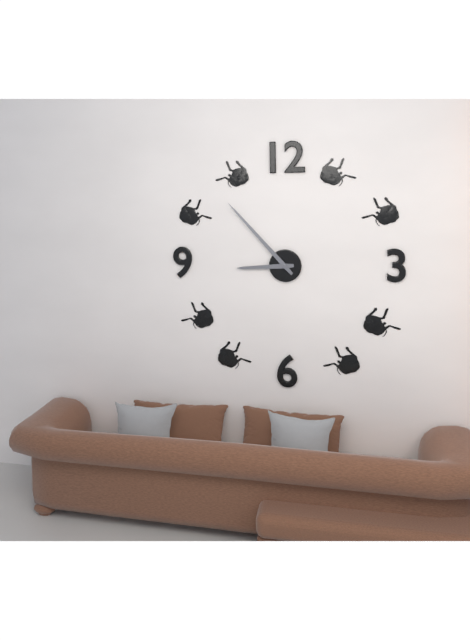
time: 8:53
